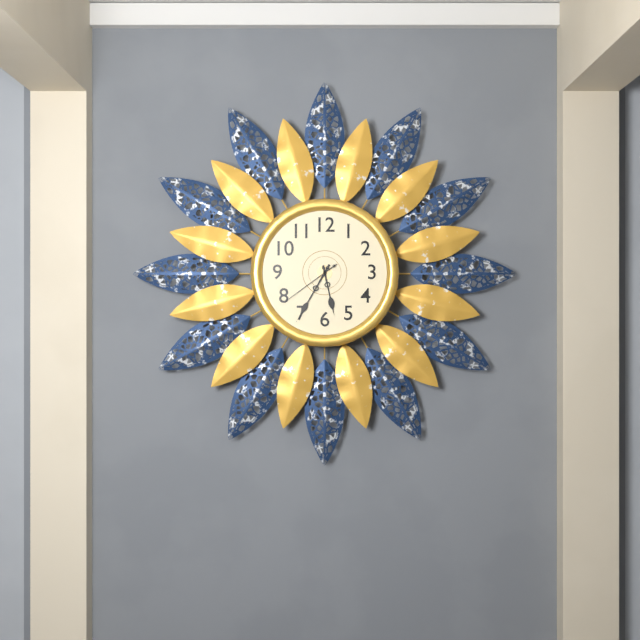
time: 5:35:39
